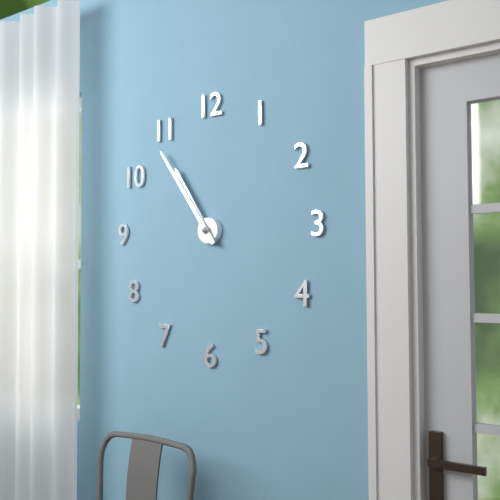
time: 10:54
